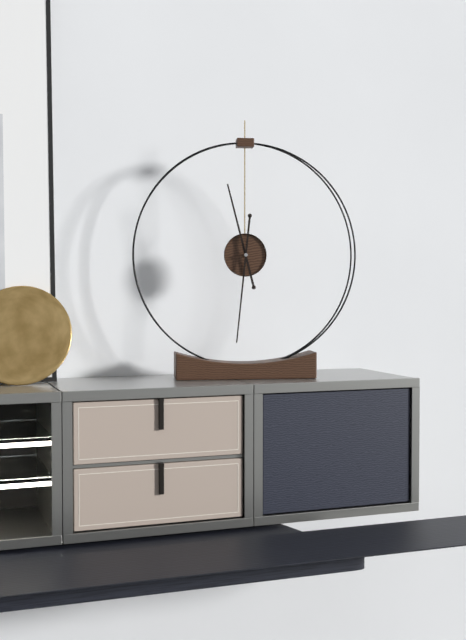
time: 11:31
